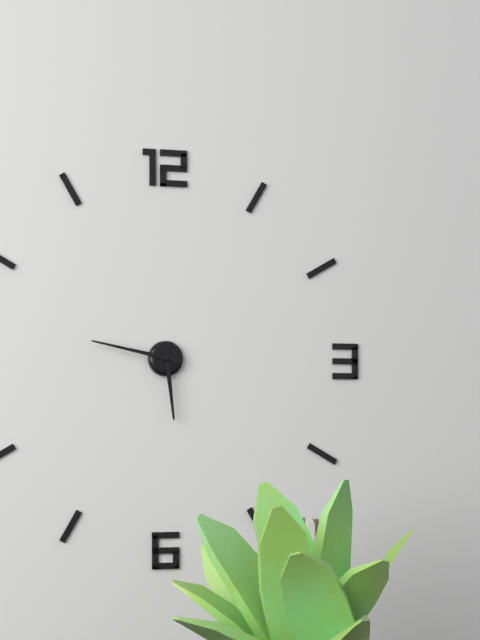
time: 5:47
